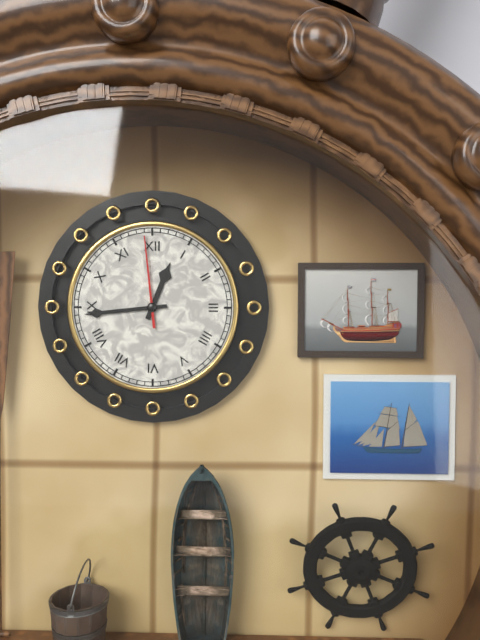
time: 12:44:59
